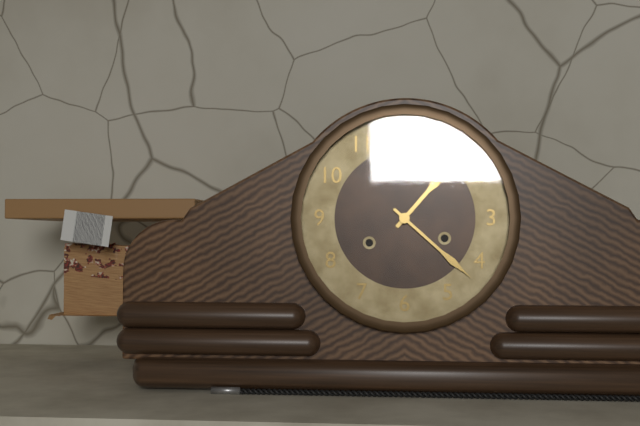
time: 1:22
